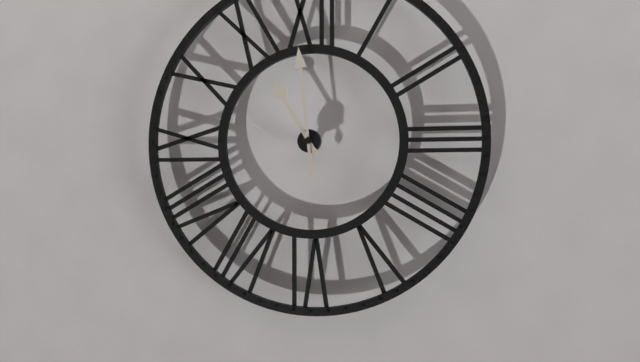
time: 10:59
